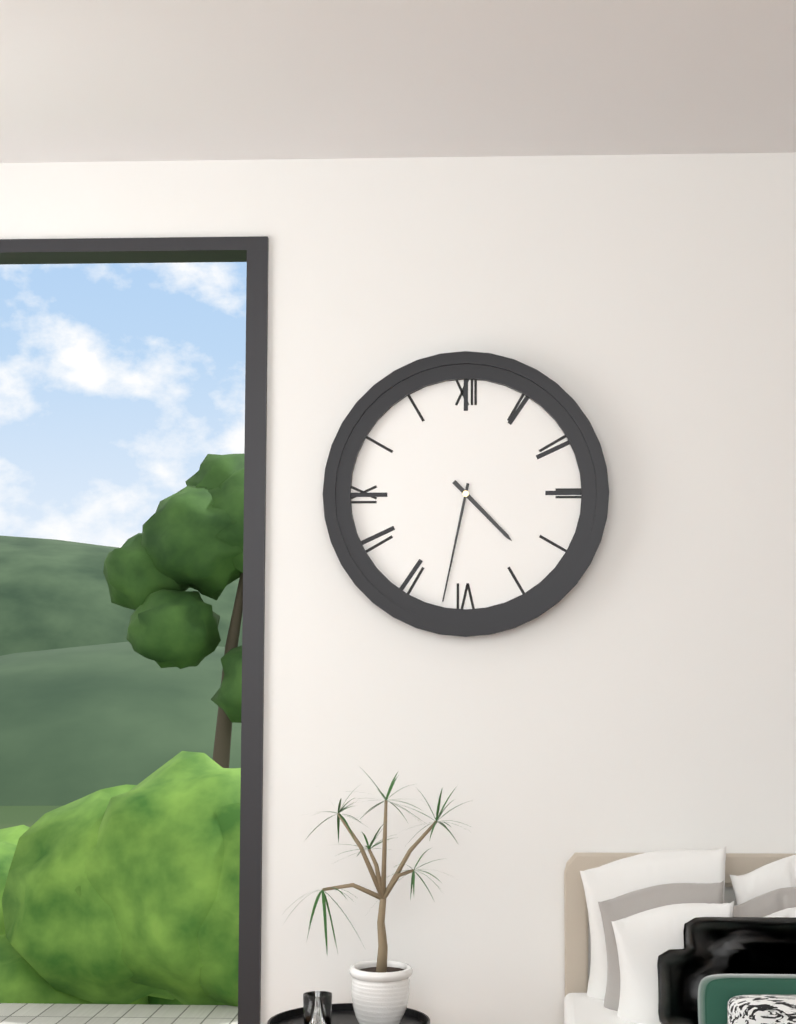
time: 4:32
